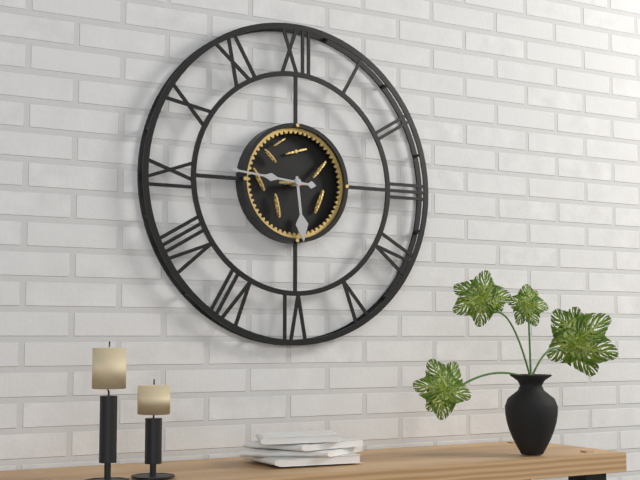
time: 5:46
